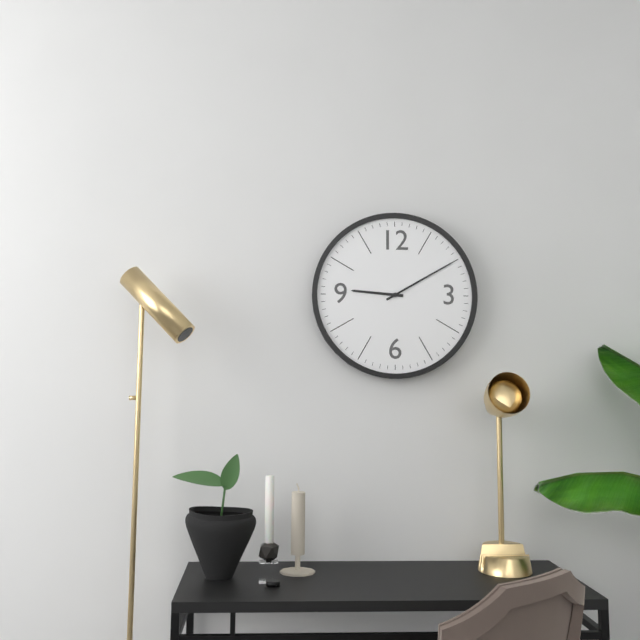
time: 9:10
